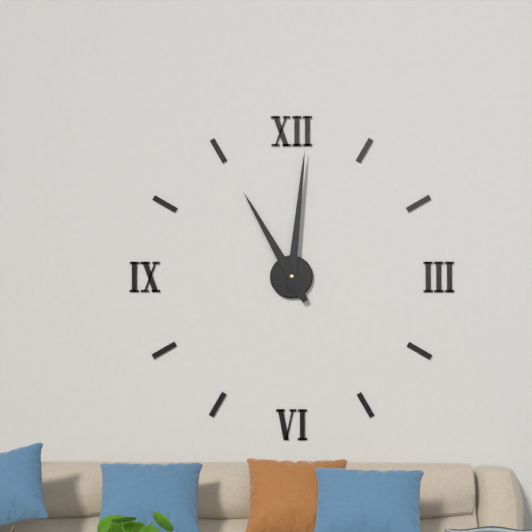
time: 11:01
